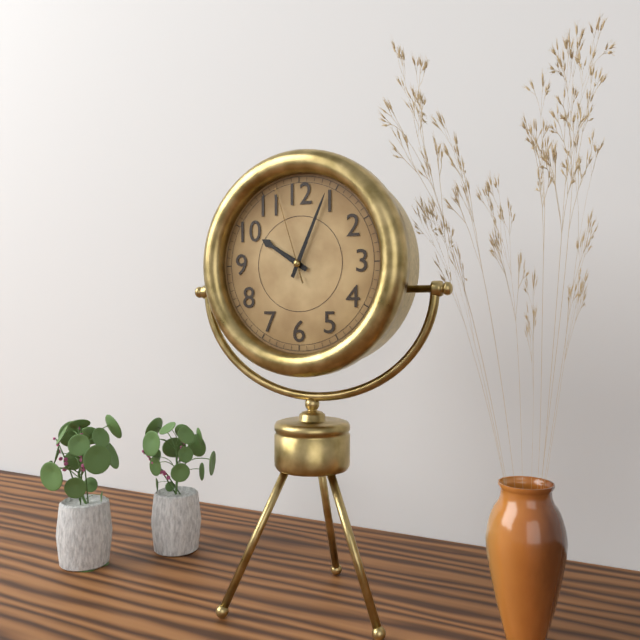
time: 10:04:57
